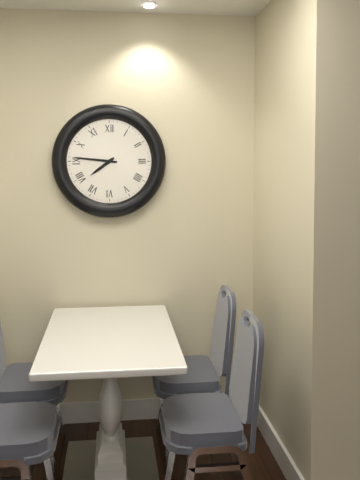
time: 7:46
